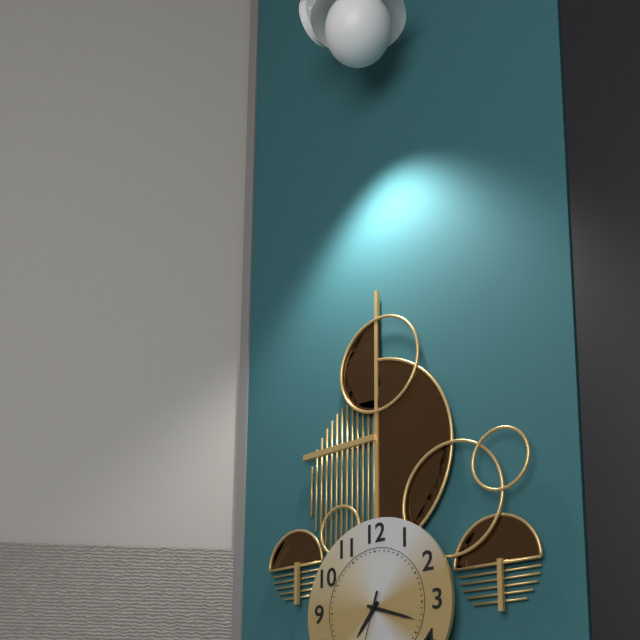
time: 7:18
